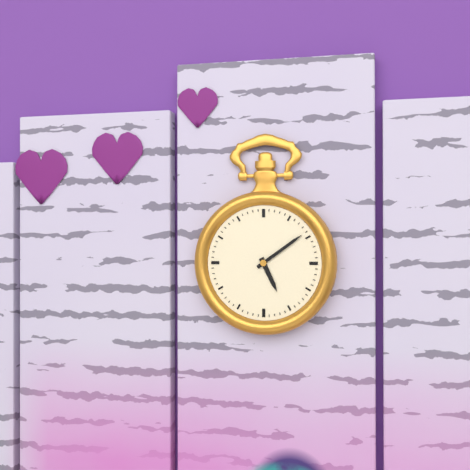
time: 5:09
